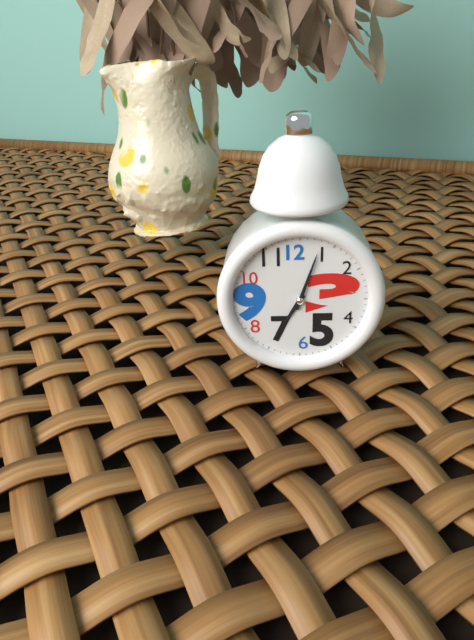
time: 7:03
